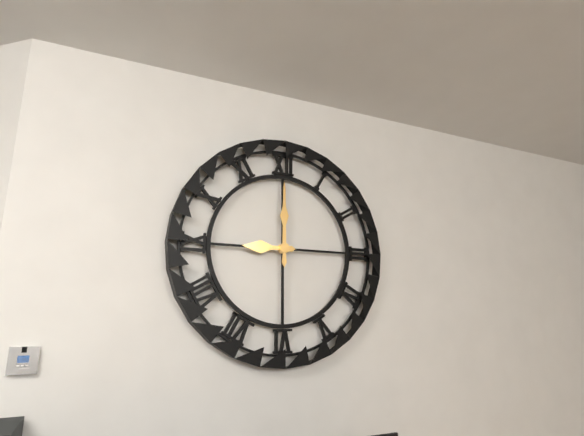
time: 9:00
